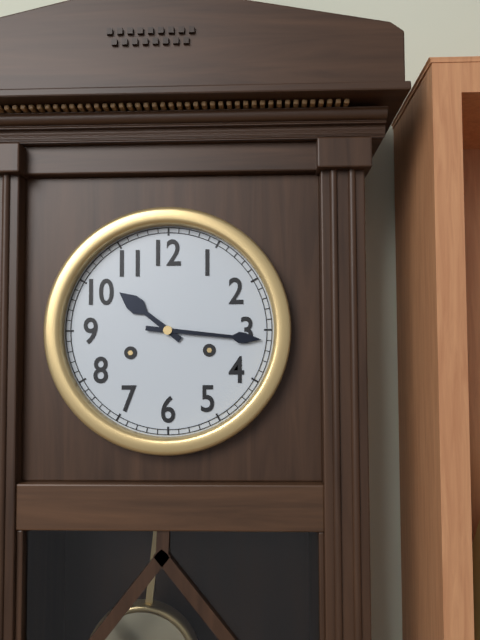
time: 10:16
